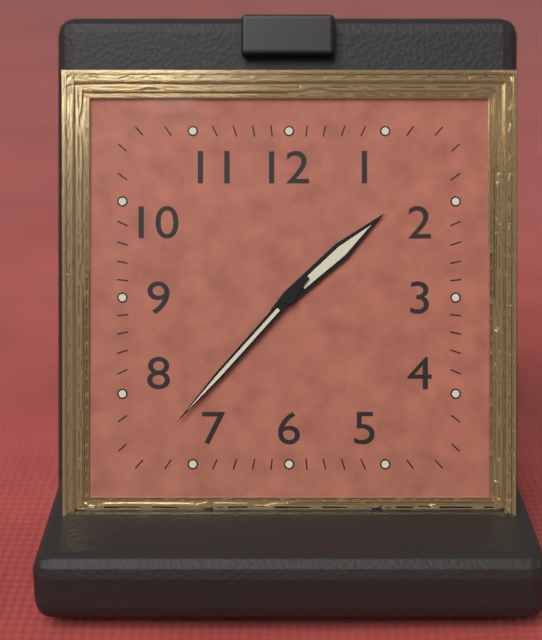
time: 1:37
